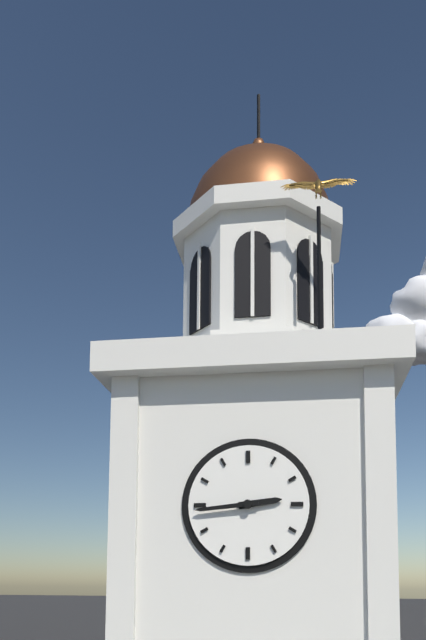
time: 2:44
